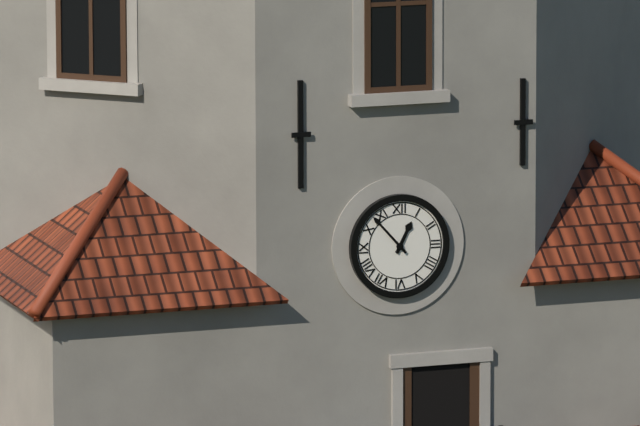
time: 12:53
